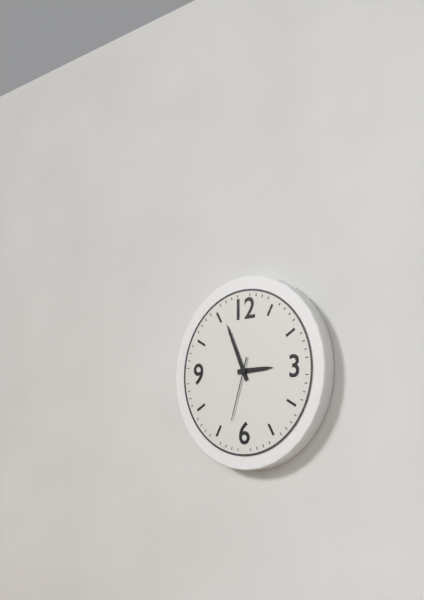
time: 2:56:33
